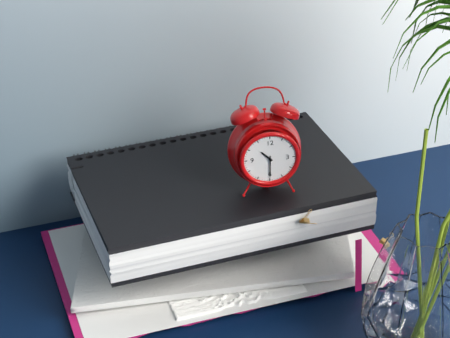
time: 10:30
